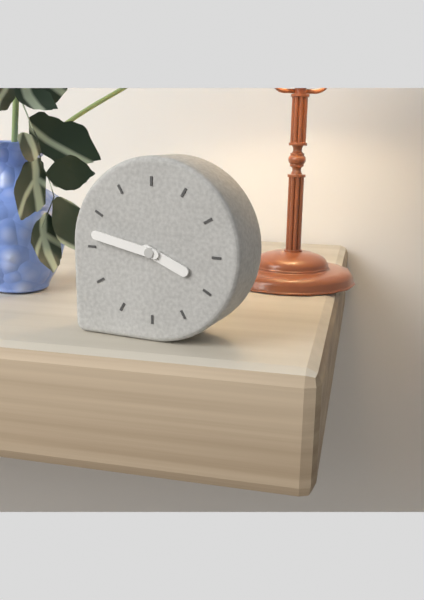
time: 3:47
